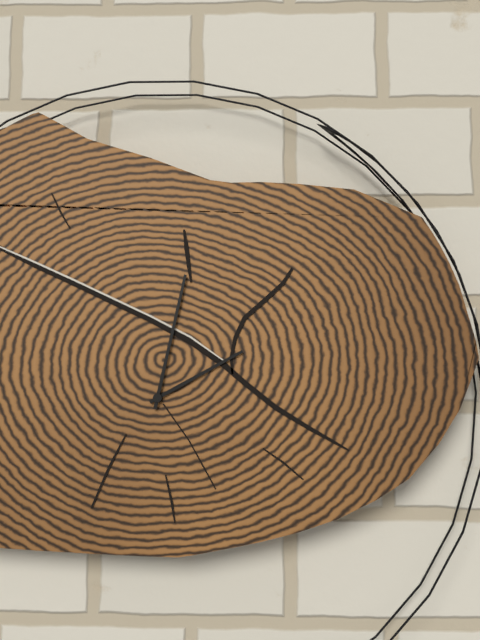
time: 2:02
